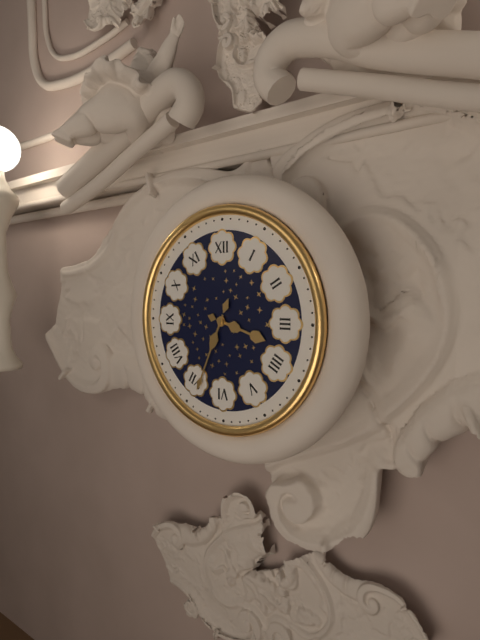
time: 3:34
